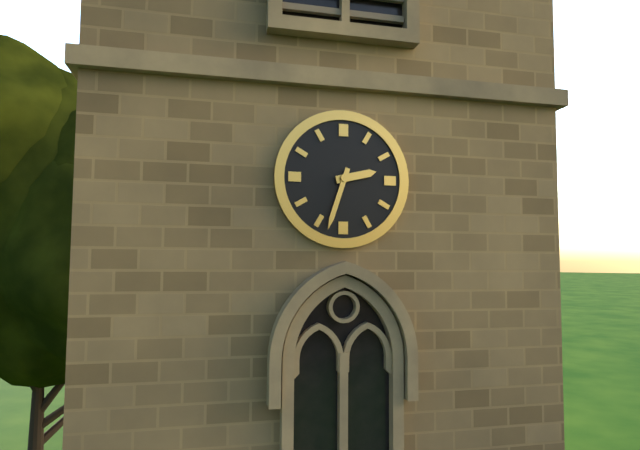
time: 2:33
